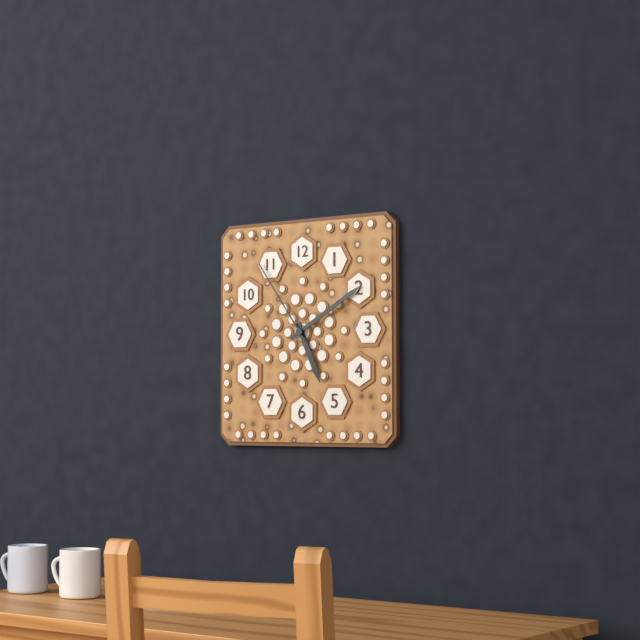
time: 5:10:54
